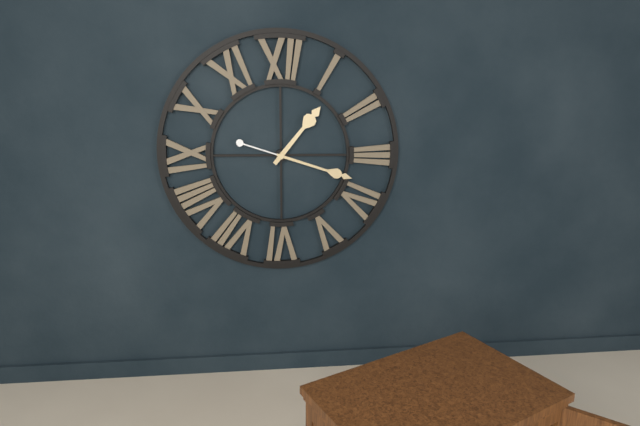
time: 1:18
